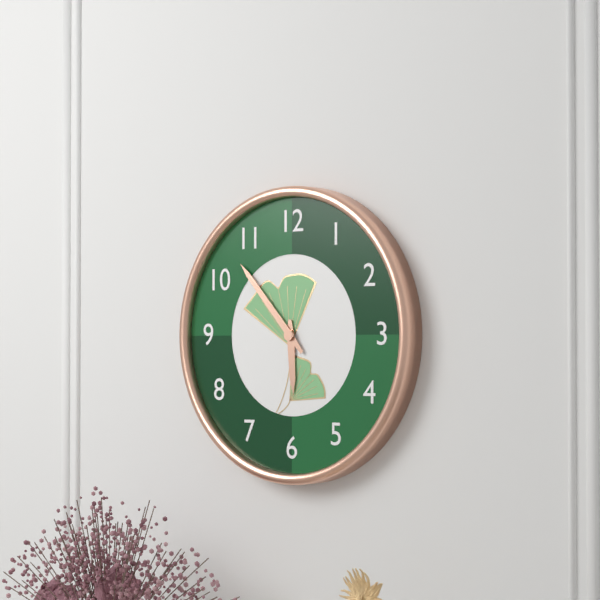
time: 5:53
